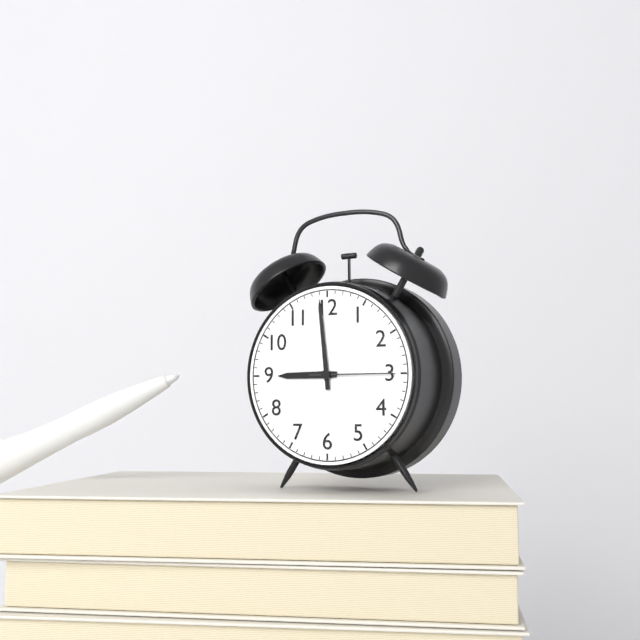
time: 8:59:15
